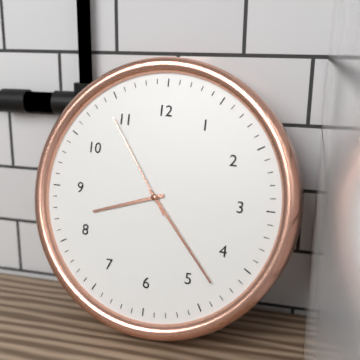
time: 8:23:54
